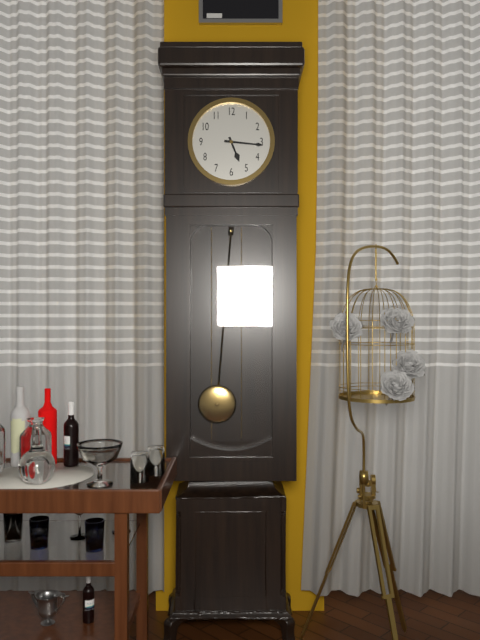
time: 5:16
